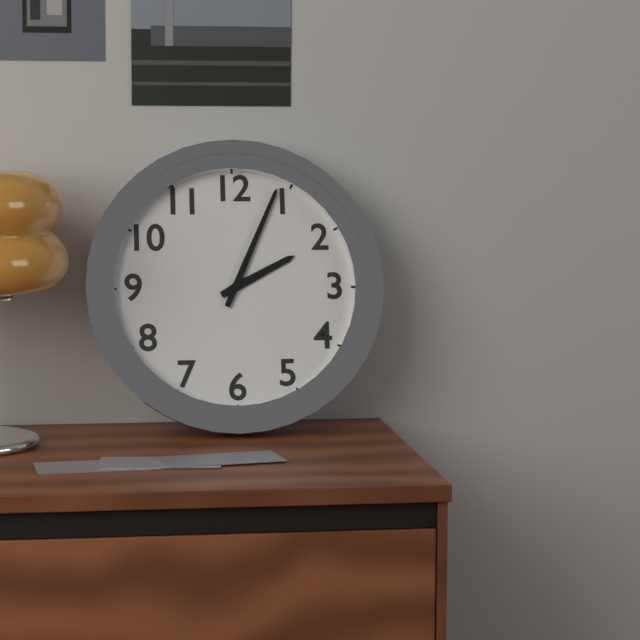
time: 2:04
